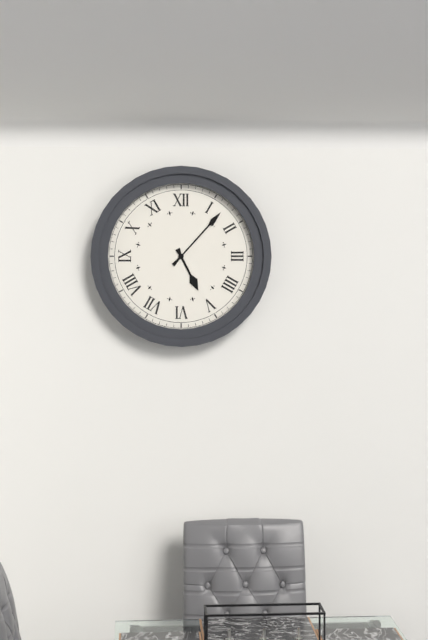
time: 5:07
